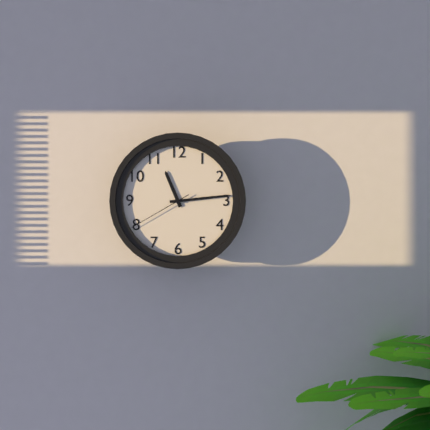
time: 11:14:40
